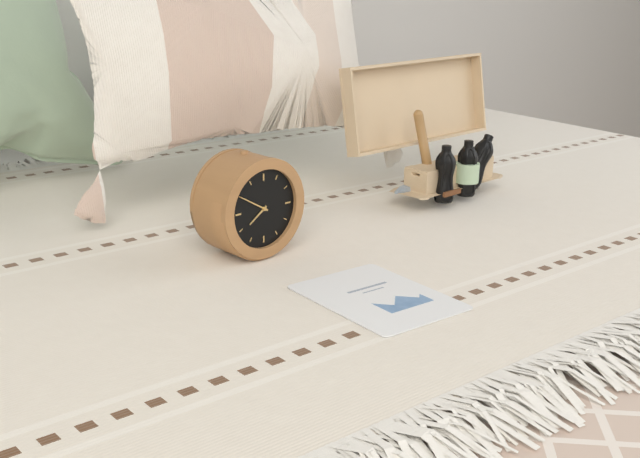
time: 7:50
